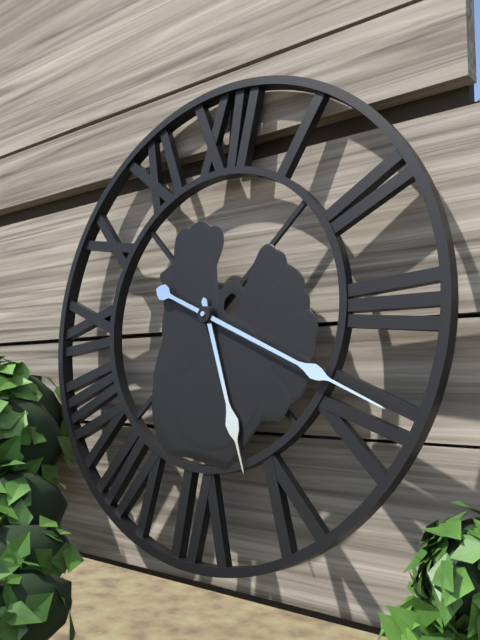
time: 5:19
